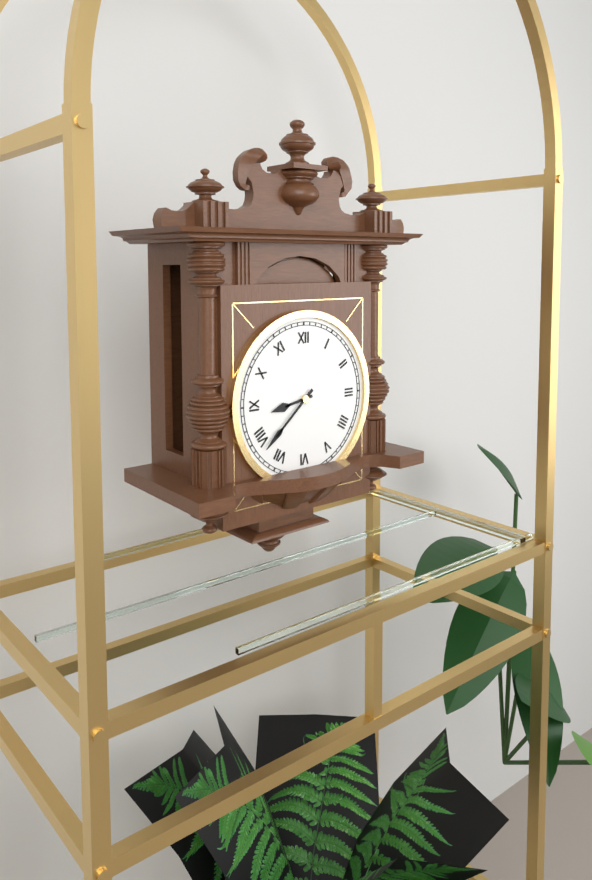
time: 8:38
